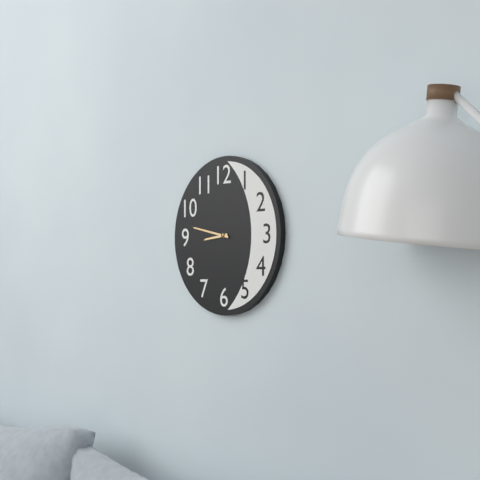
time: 8:47
